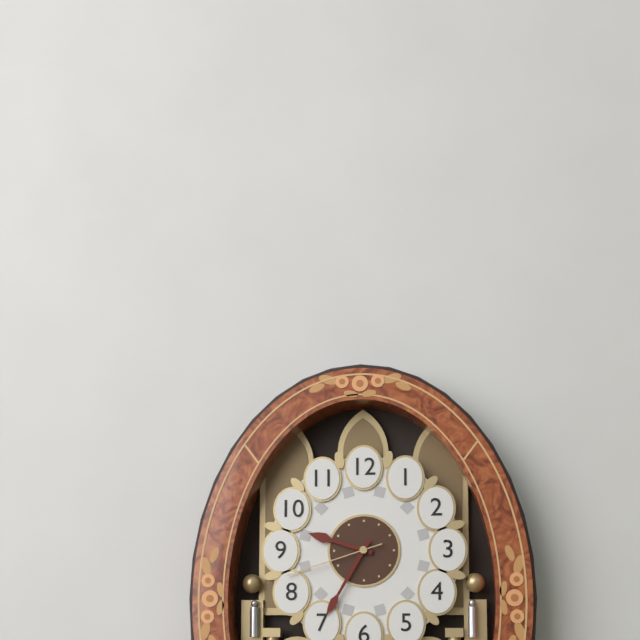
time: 9:35:42
